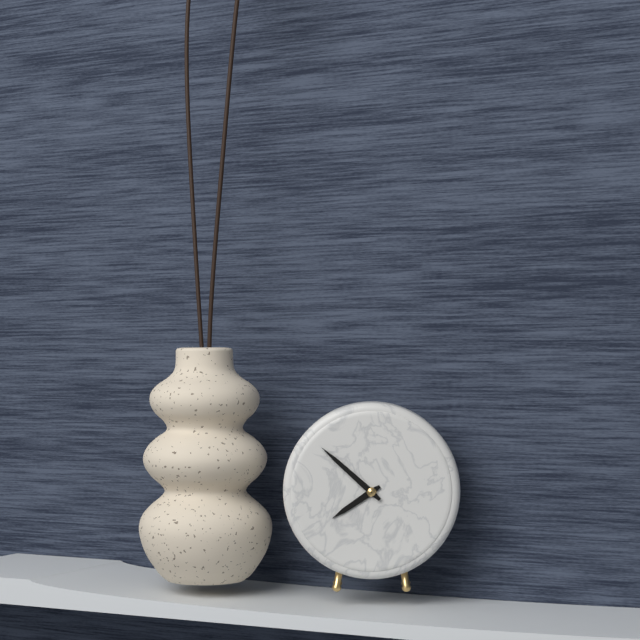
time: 7:52
